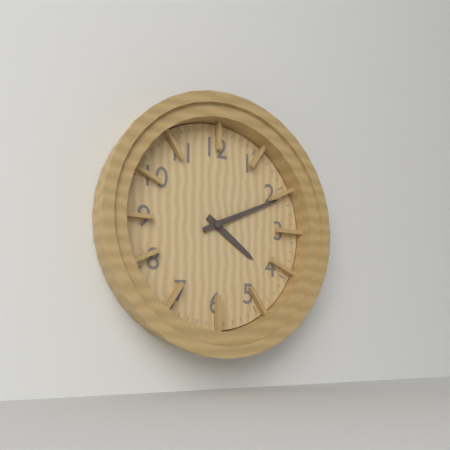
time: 4:11
